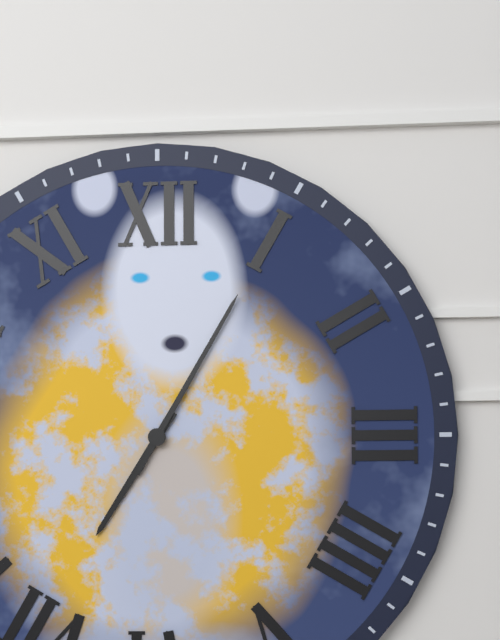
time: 7:05
